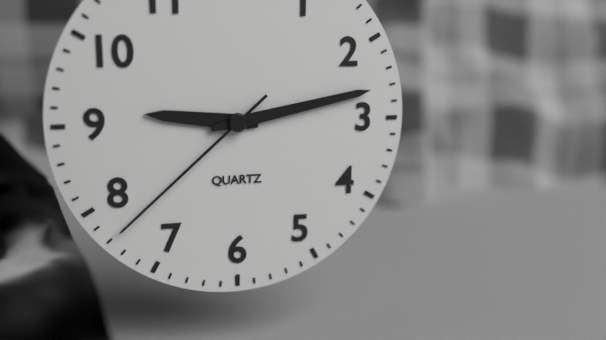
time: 9:13:38
